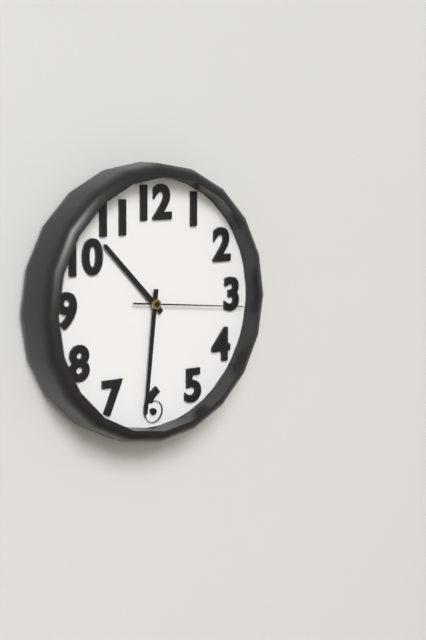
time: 10:31:16
